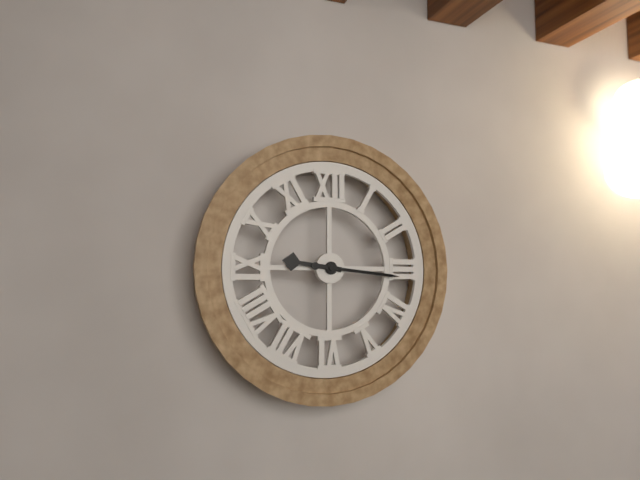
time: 9:16
